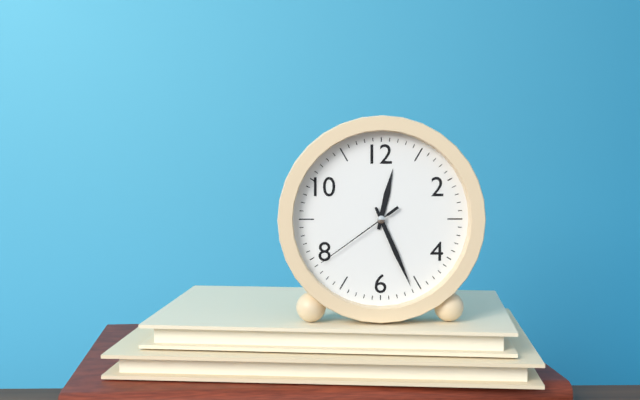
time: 12:26:39
